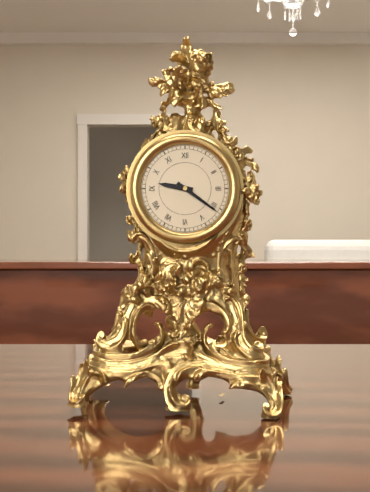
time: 9:21
